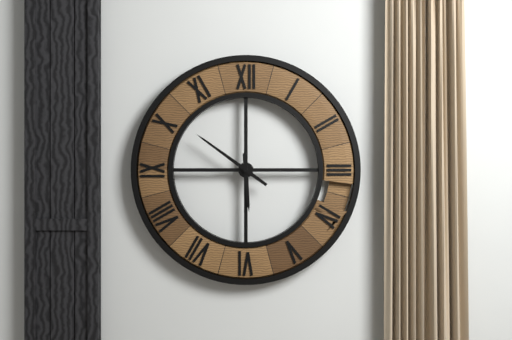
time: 5:51
